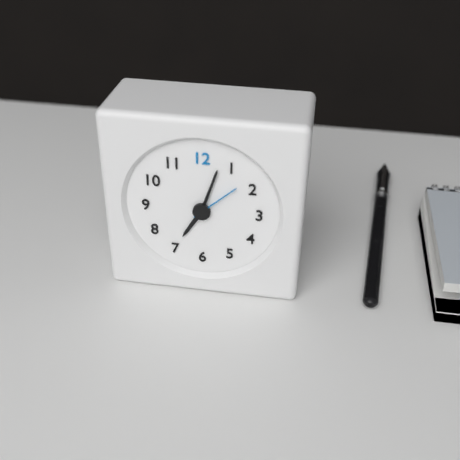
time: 7:03
